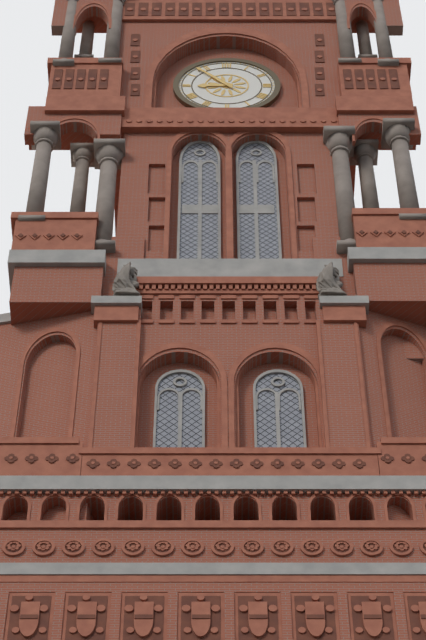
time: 8:53
